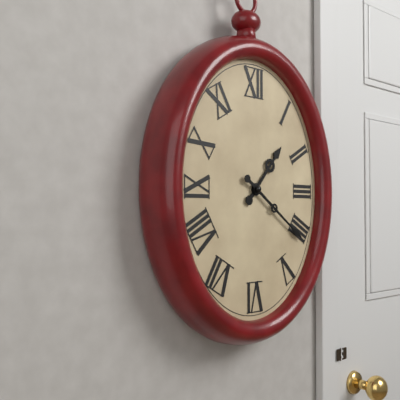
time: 1:21
